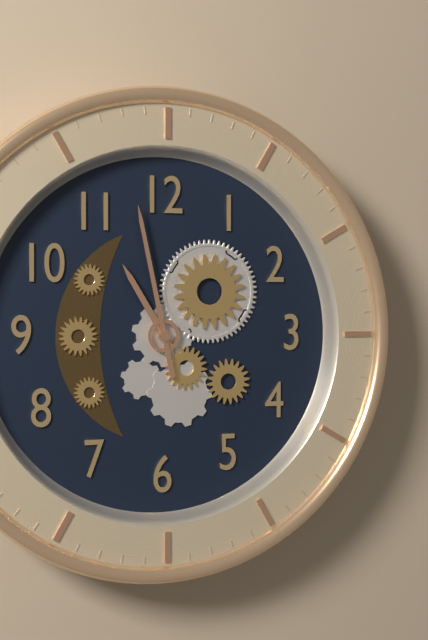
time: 10:58
